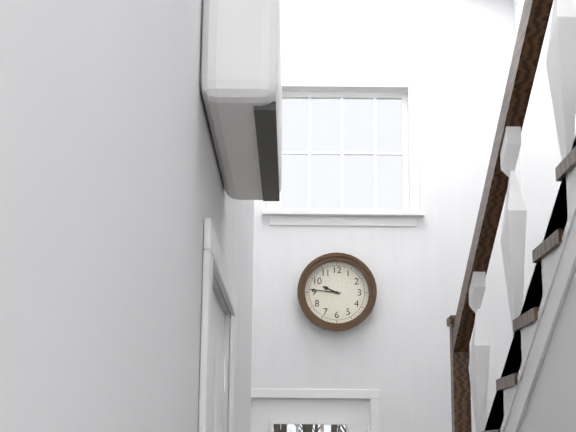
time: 9:46
